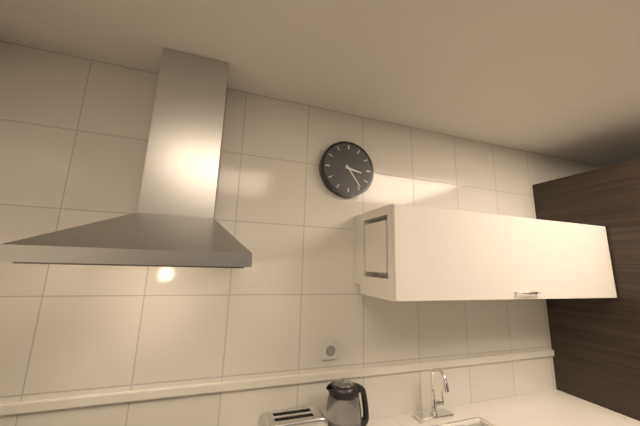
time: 3:24
